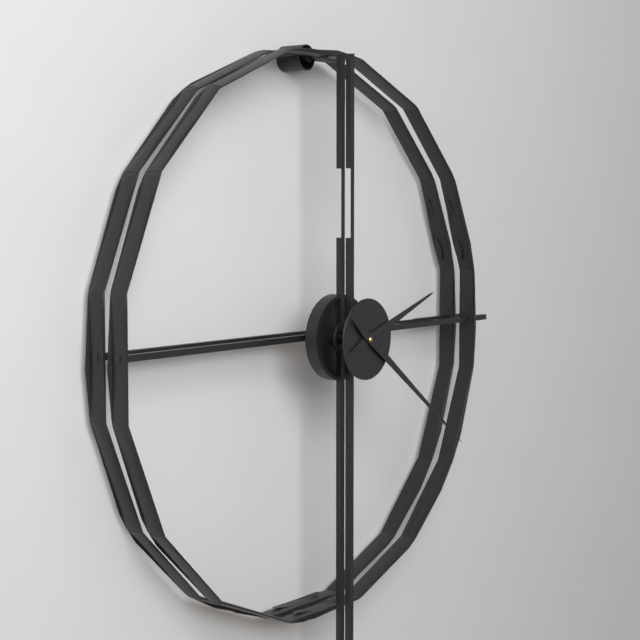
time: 2:21
